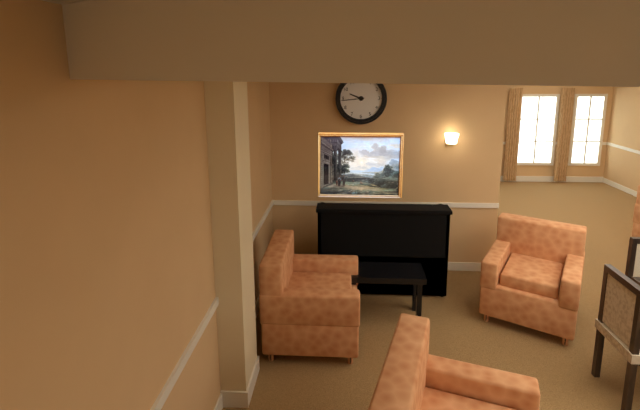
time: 9:44
